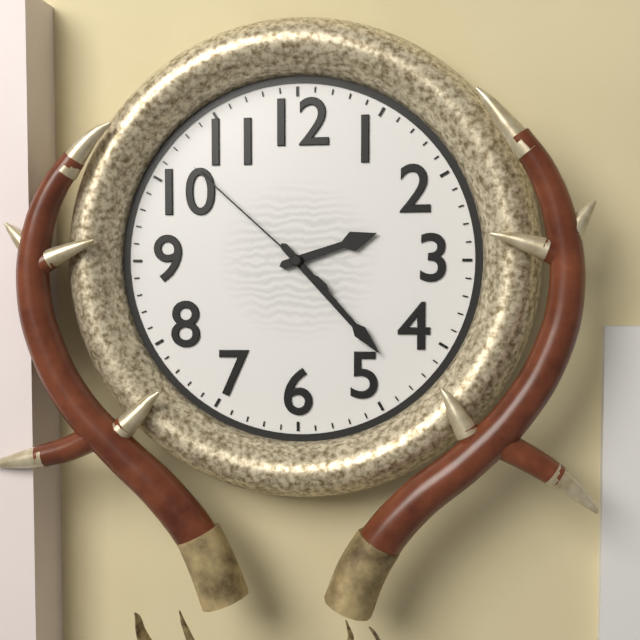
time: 2:23:52
